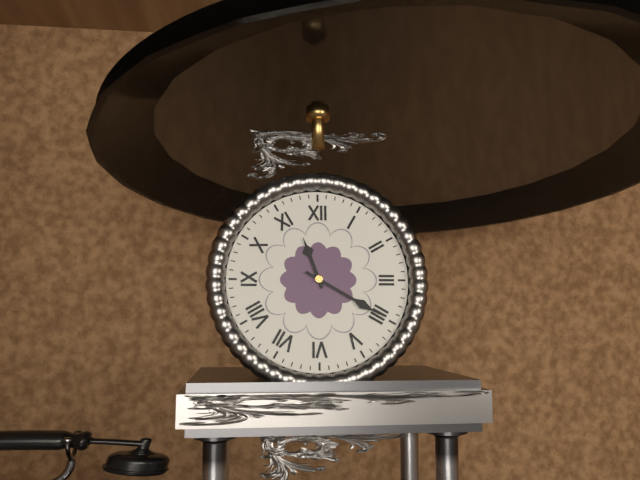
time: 11:20
